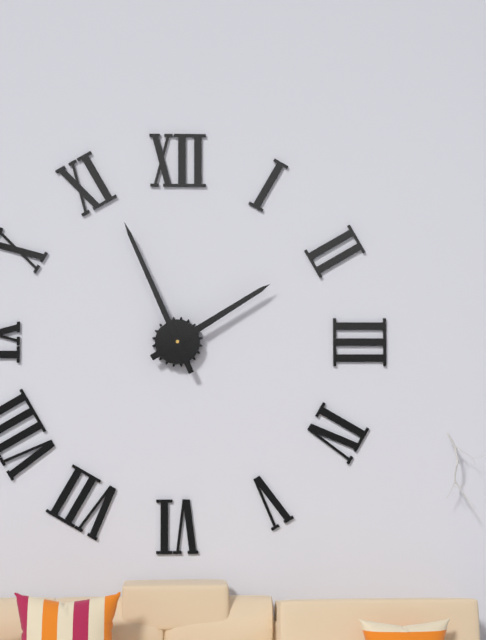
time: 1:56
